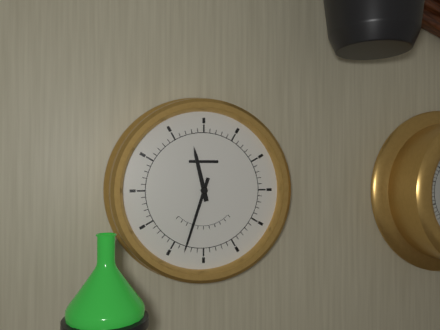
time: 11:33
